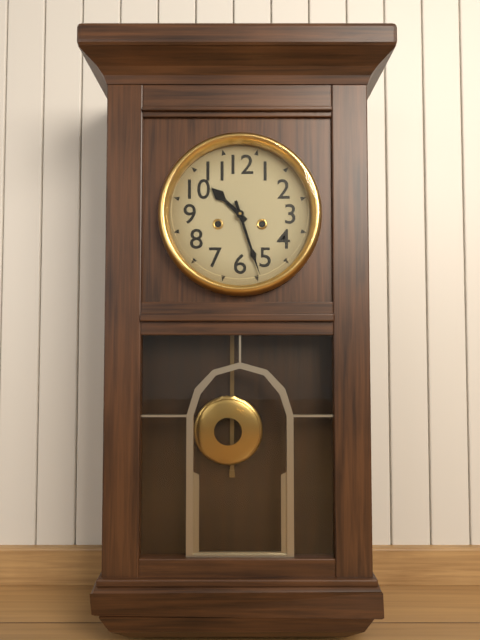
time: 10:27
